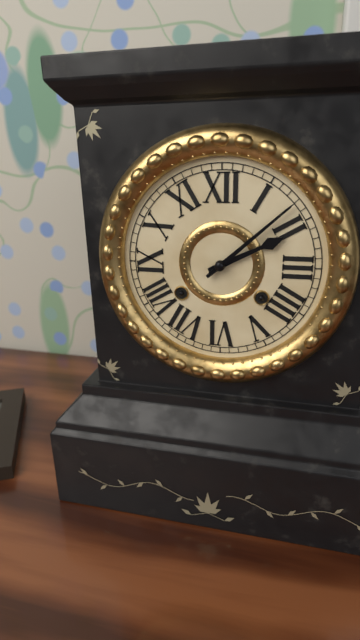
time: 2:08
